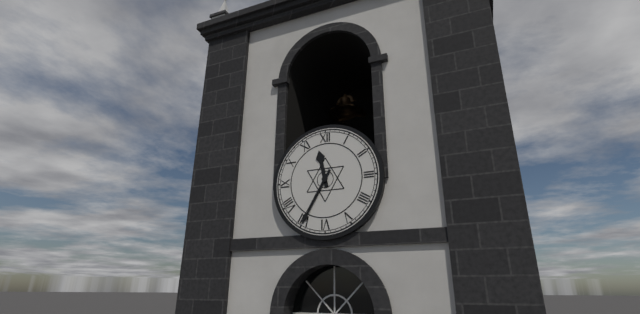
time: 11:35
